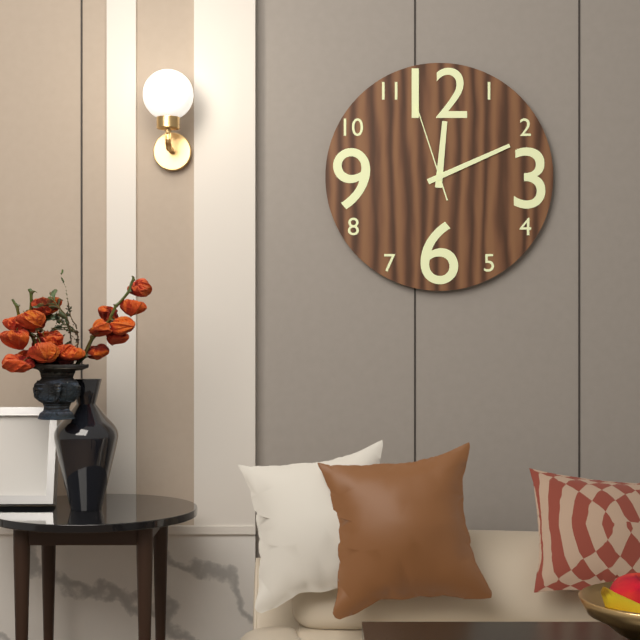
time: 12:11:57
